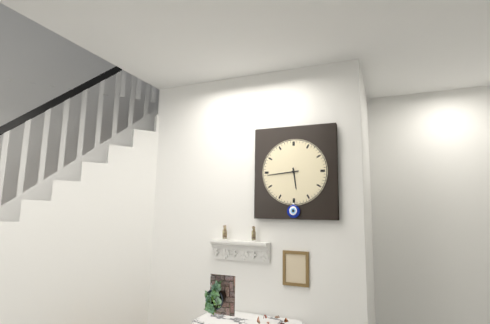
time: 5:44
